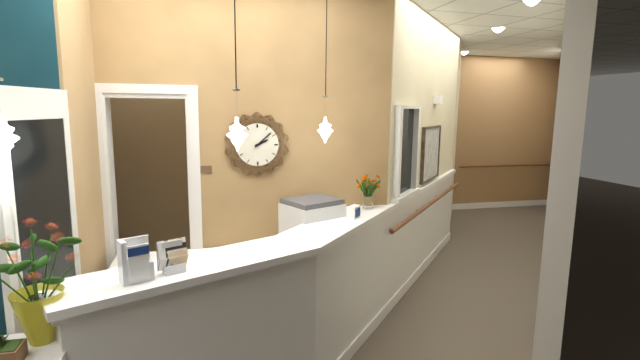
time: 2:08
